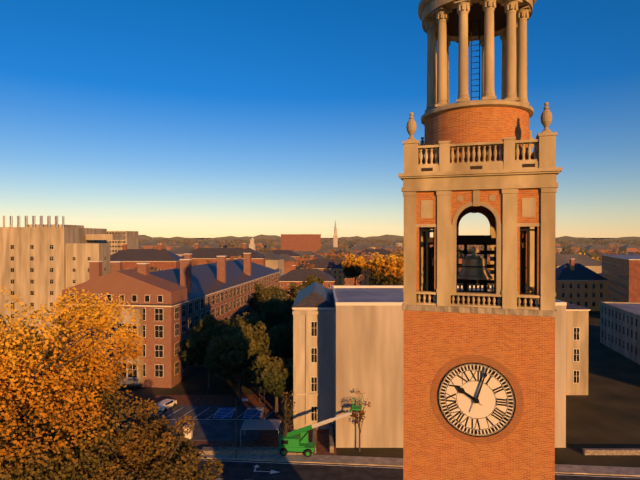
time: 10:03
